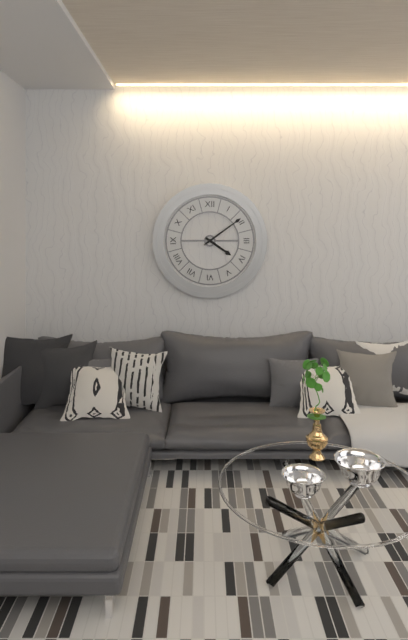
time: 4:09
